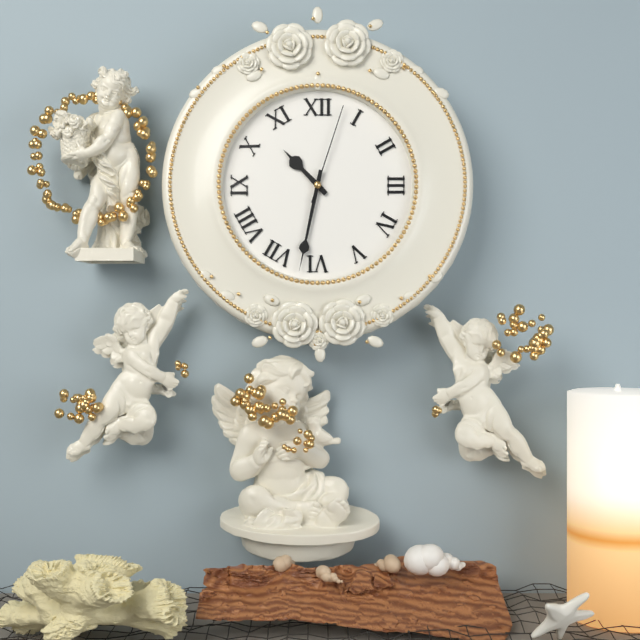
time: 10:32:03
